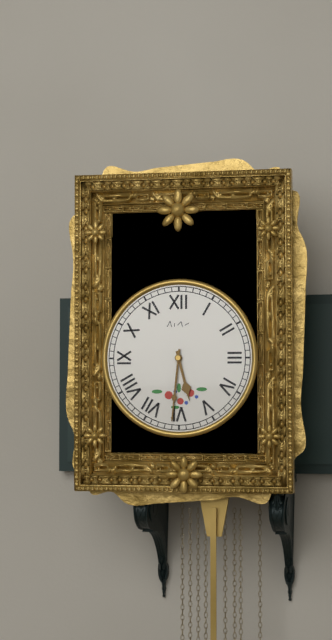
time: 5:31
